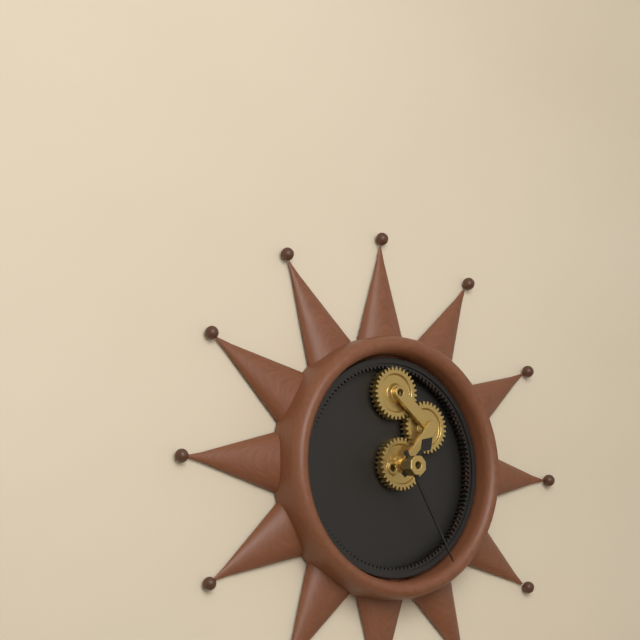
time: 1:25
